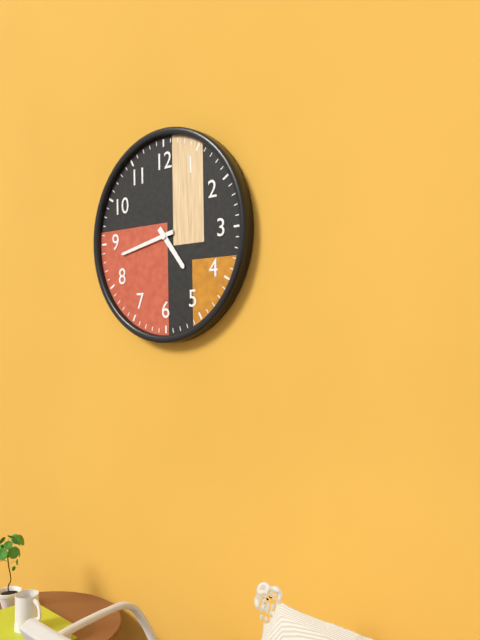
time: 4:43
